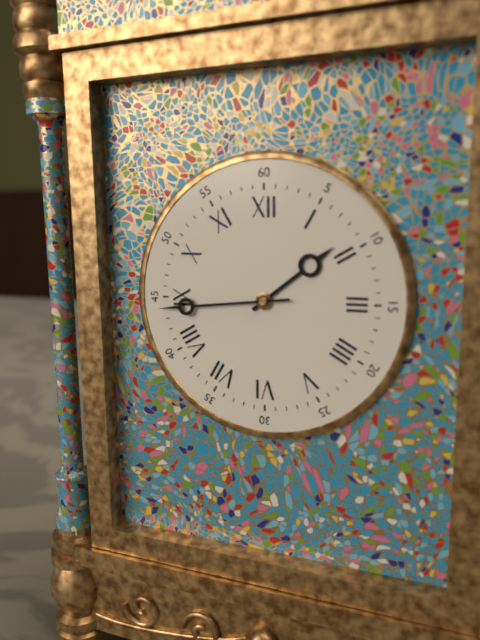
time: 1:44
